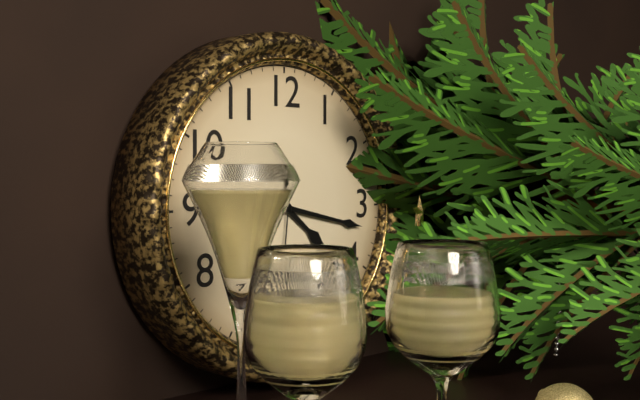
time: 4:17
